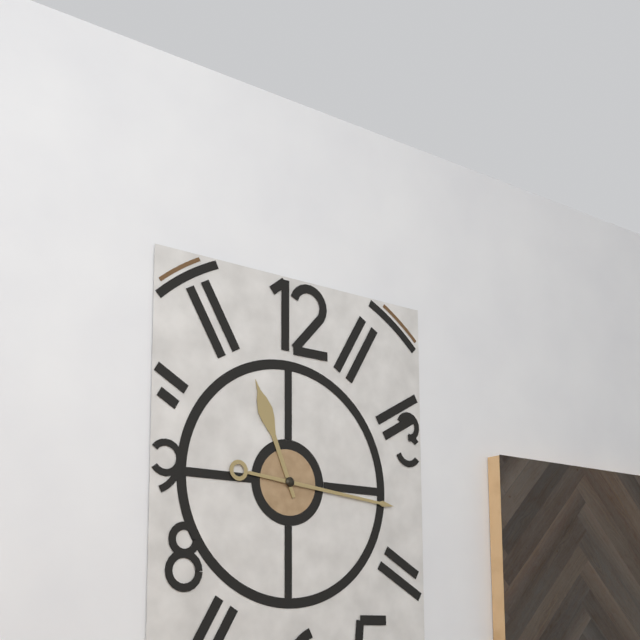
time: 11:16
